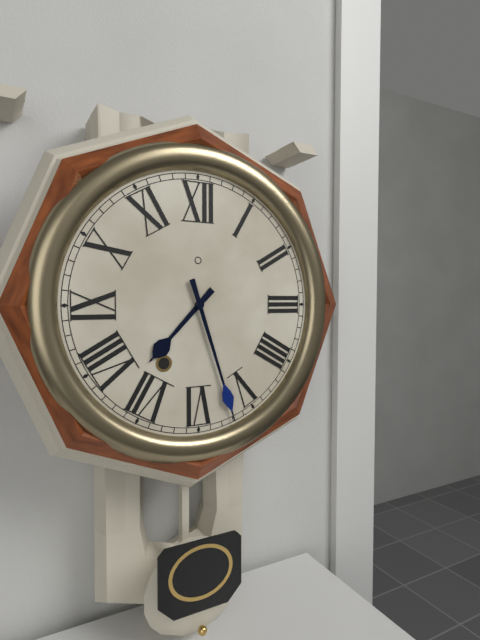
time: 7:27
